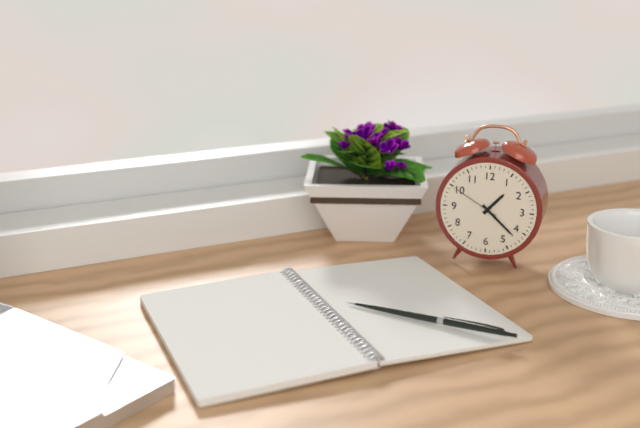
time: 1:22:50
